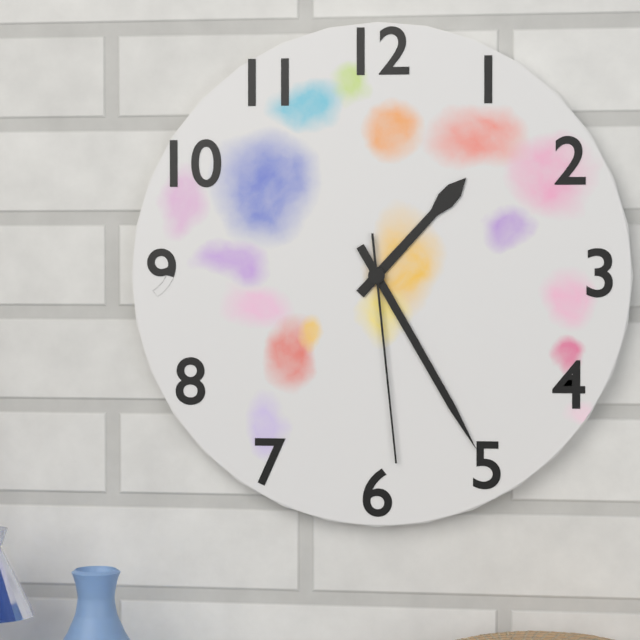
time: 1:25:29
